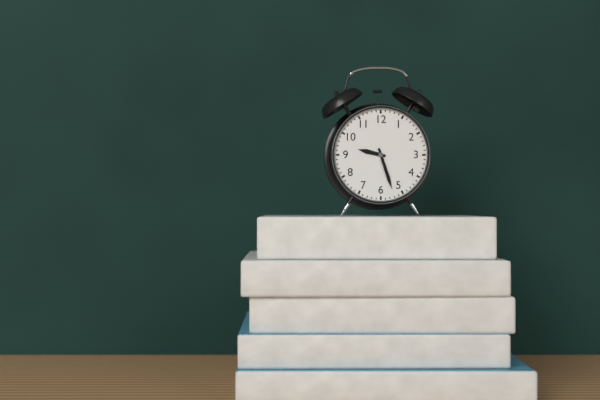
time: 9:27
